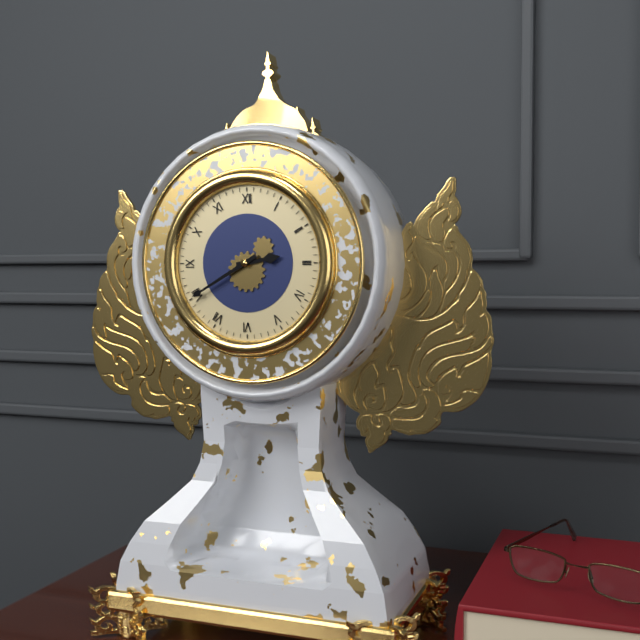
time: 2:40
